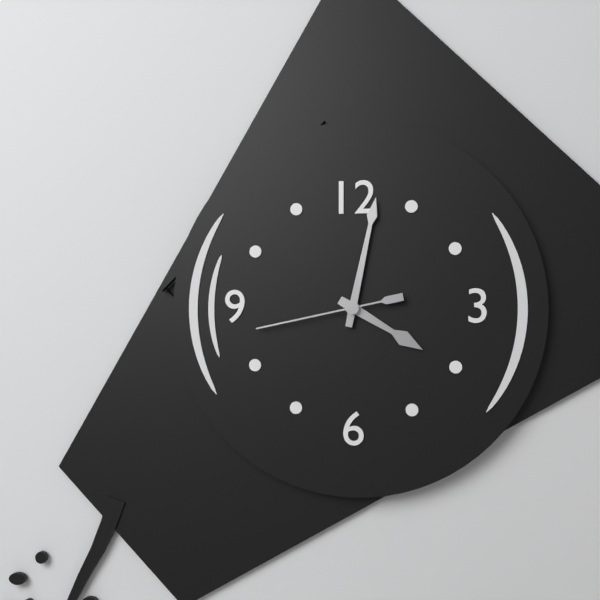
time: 4:02:43
